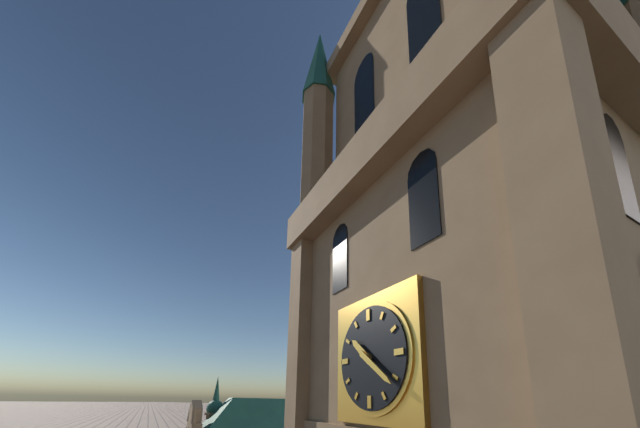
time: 10:21
